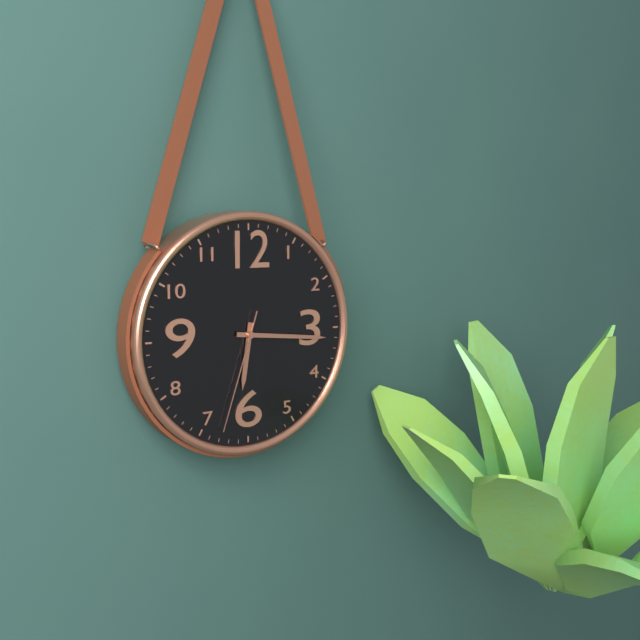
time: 6:16:33
